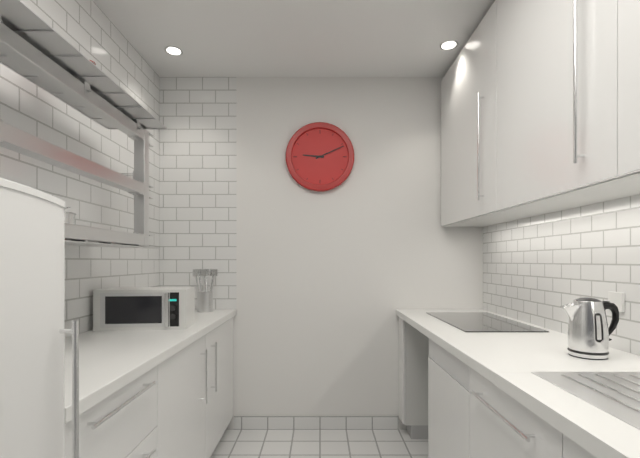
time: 9:11
